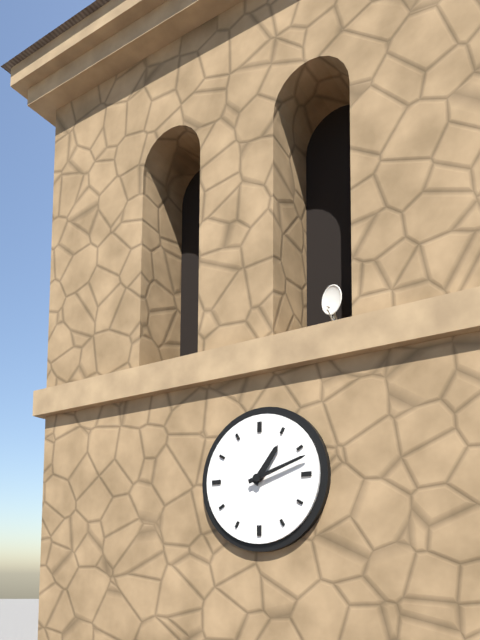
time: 1:12
